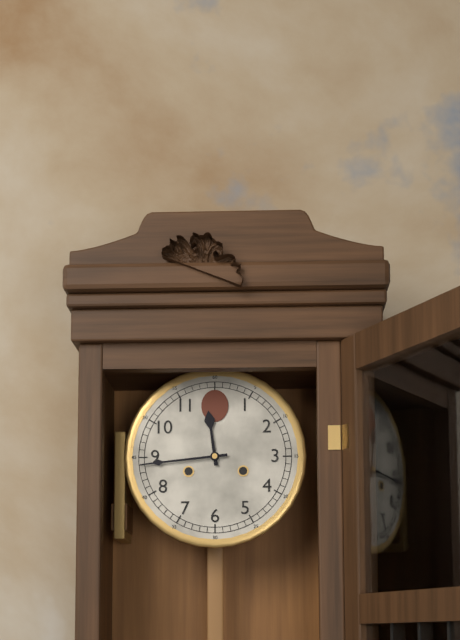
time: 11:44
